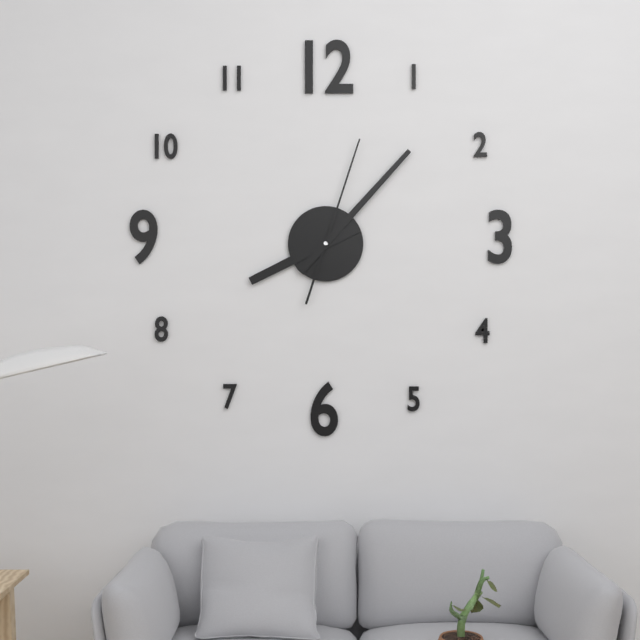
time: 8:07:03
